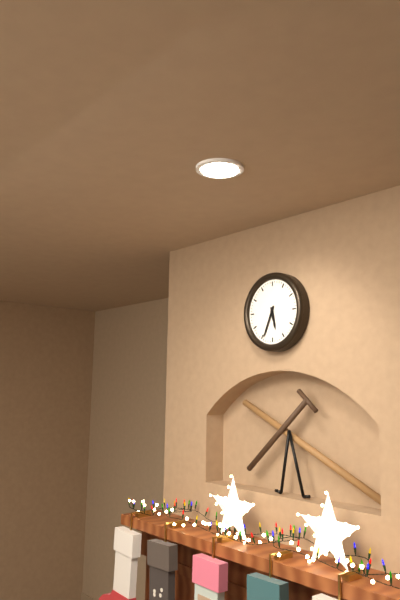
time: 5:34
